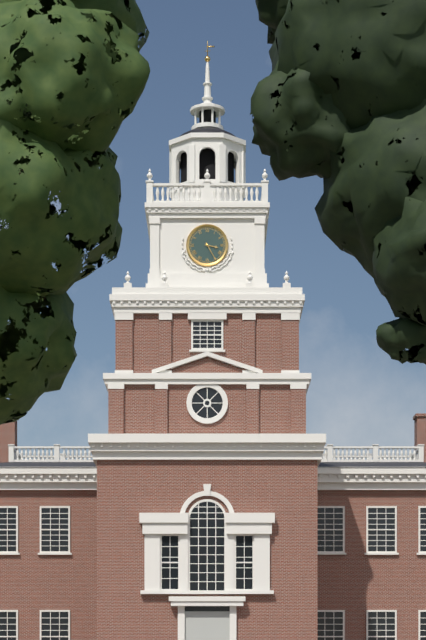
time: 3:25
